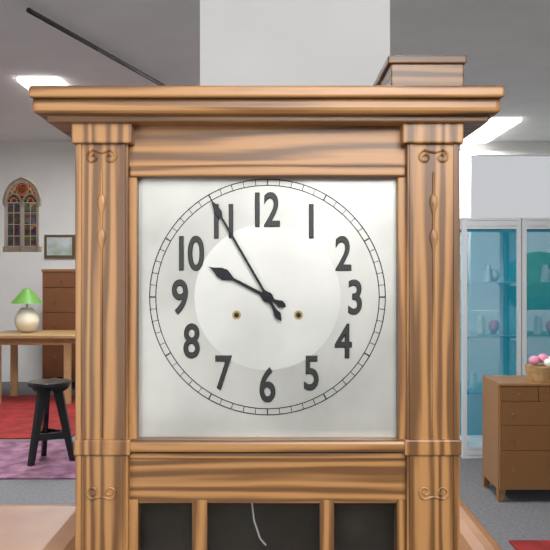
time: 9:55
